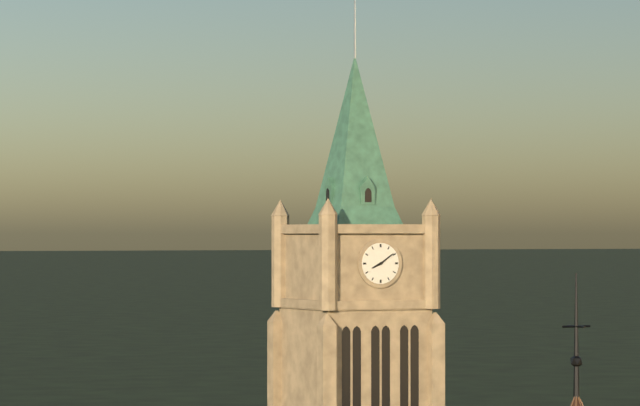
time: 8:09
